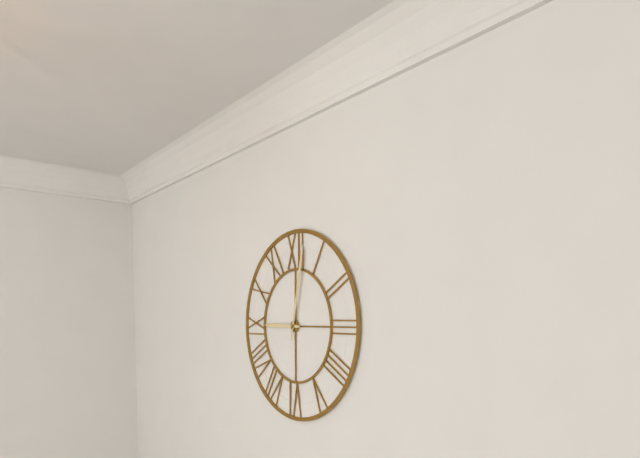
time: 9:02
